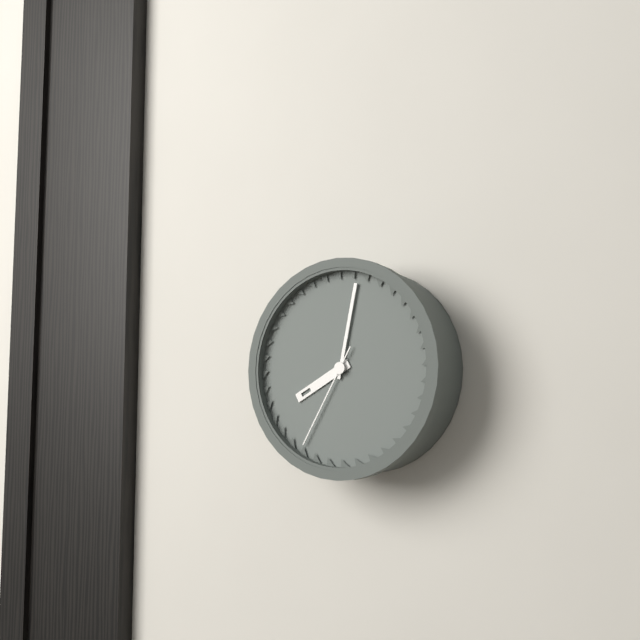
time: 8:02:35
